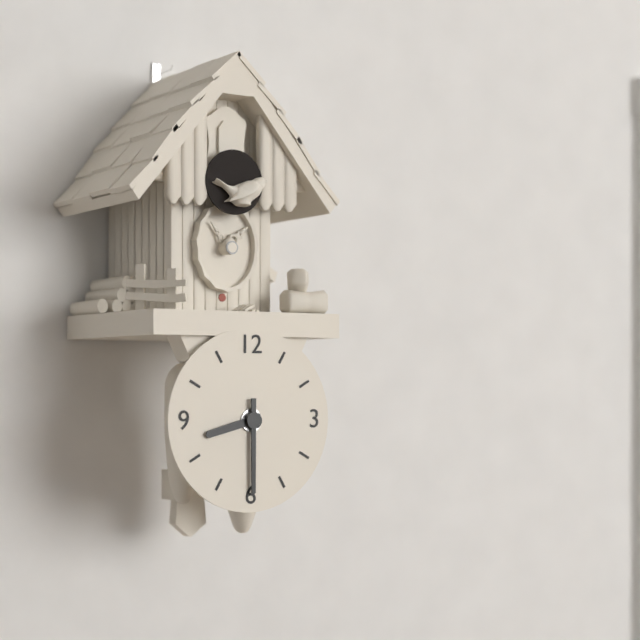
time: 8:30
